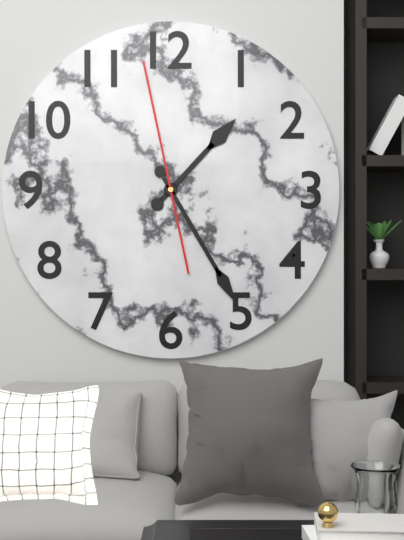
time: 1:25:58
